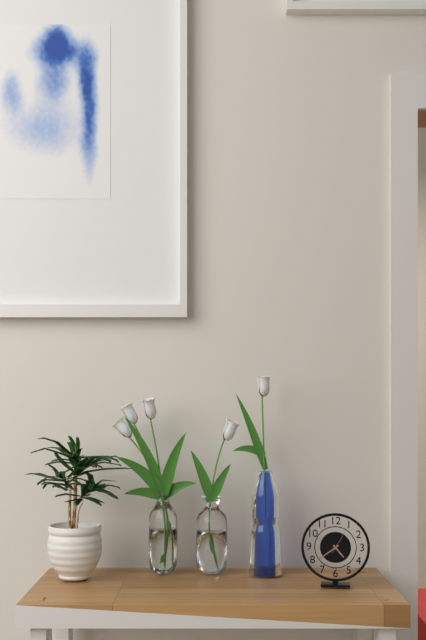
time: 4:39
